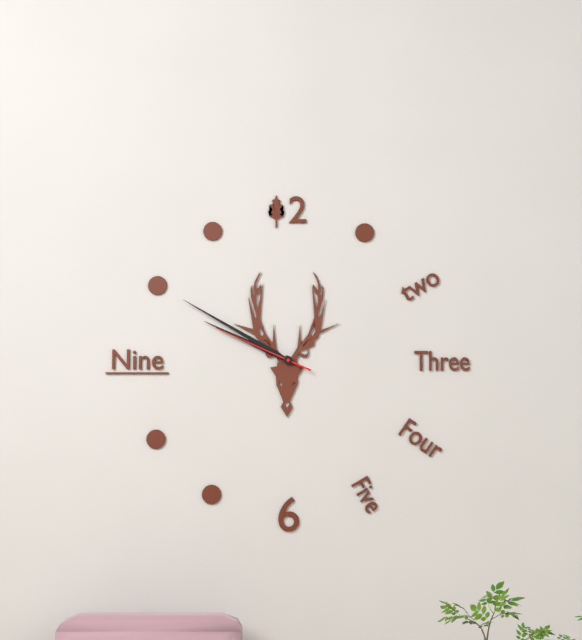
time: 9:50:49
